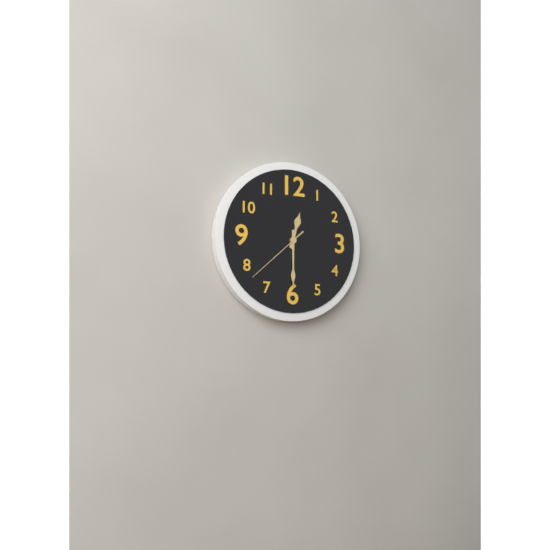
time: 12:30:38
